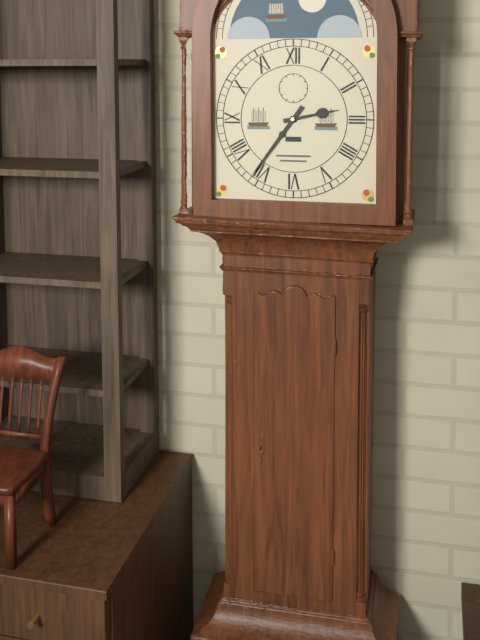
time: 2:36
